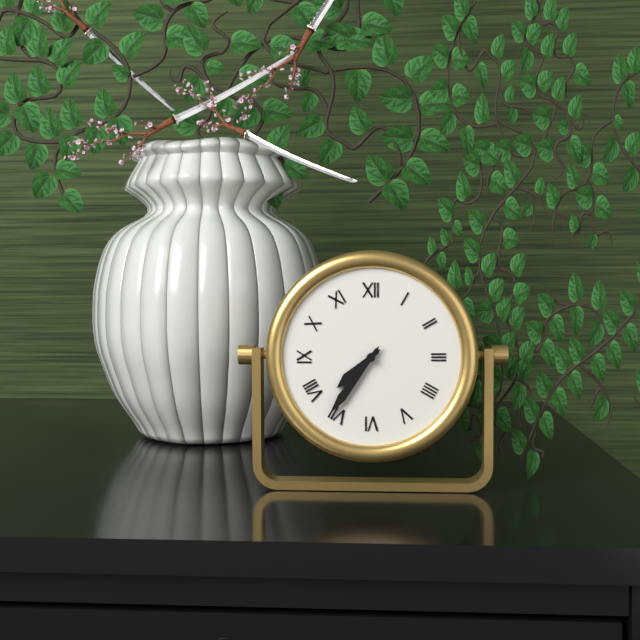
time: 7:36
